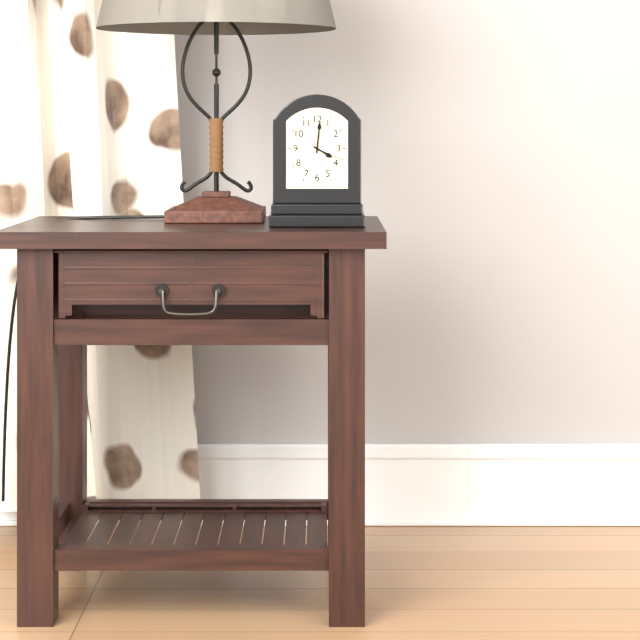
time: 4:01
